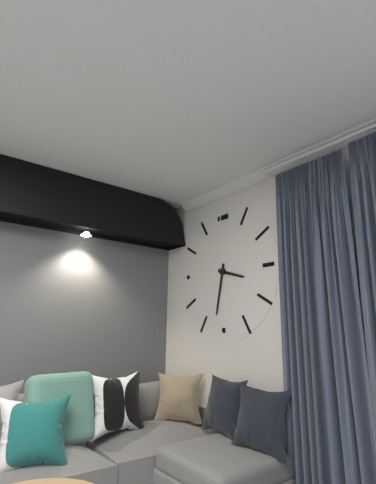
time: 3:32
